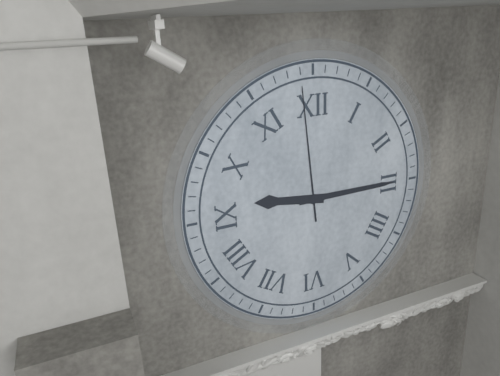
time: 9:15:59
